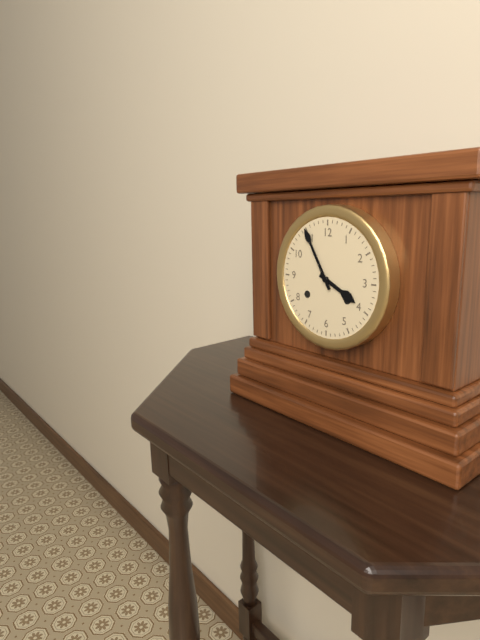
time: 3:55
